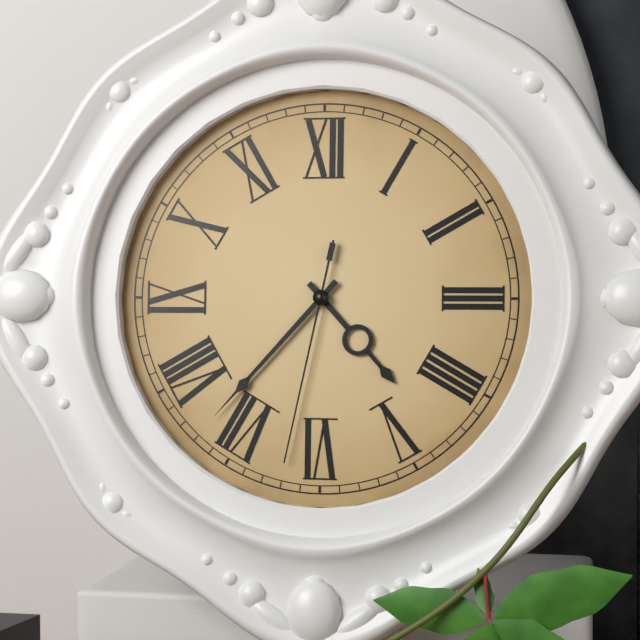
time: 4:37:32
